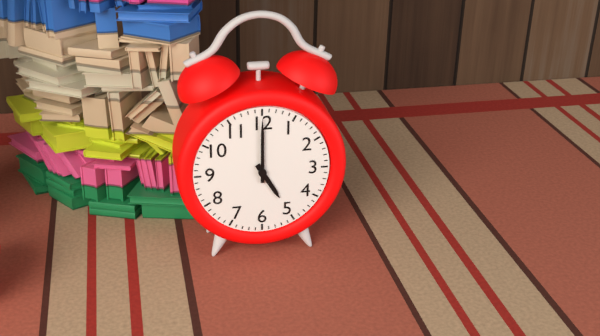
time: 5:00
